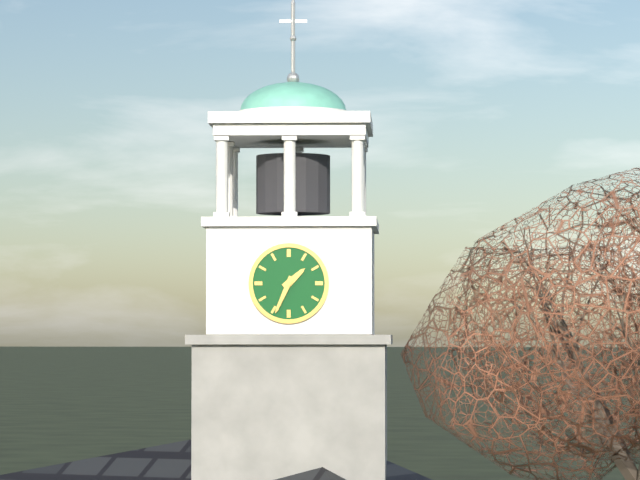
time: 1:34
